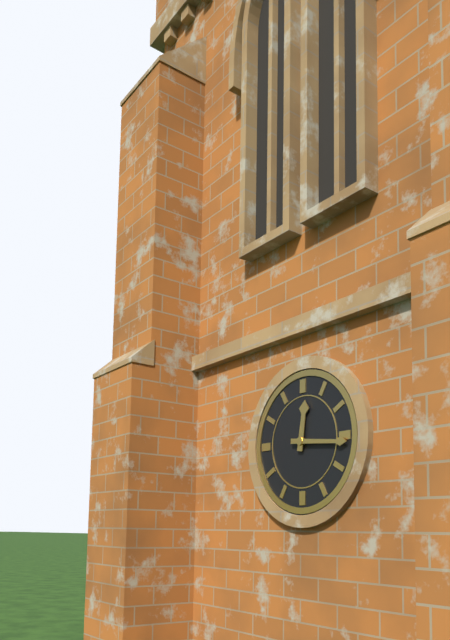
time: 12:16
